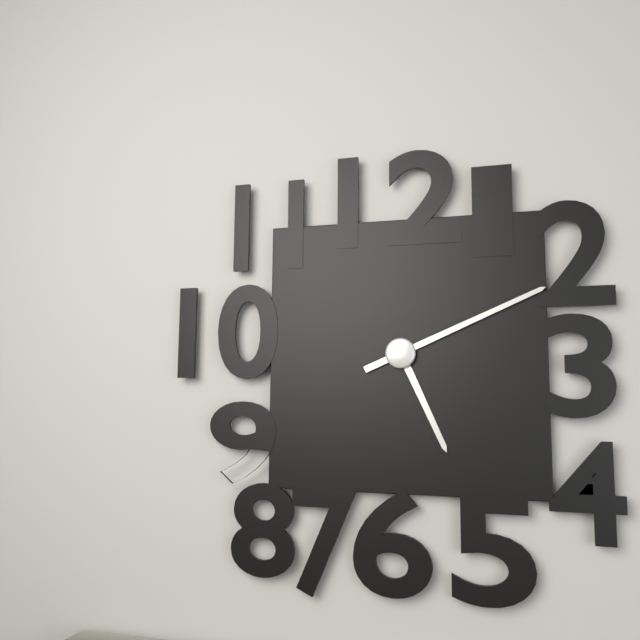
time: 5:11
